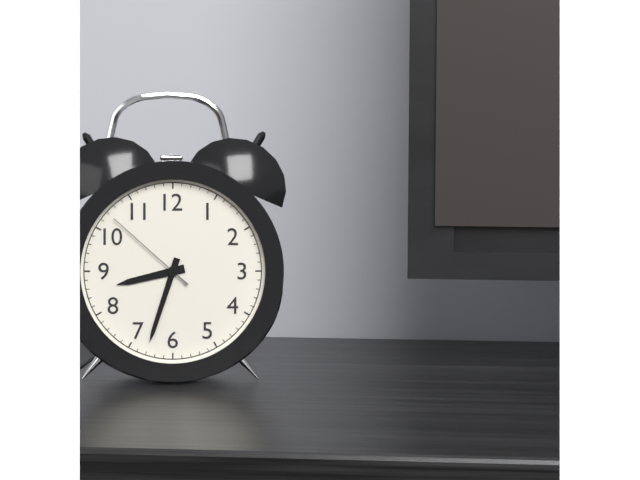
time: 8:33:52
